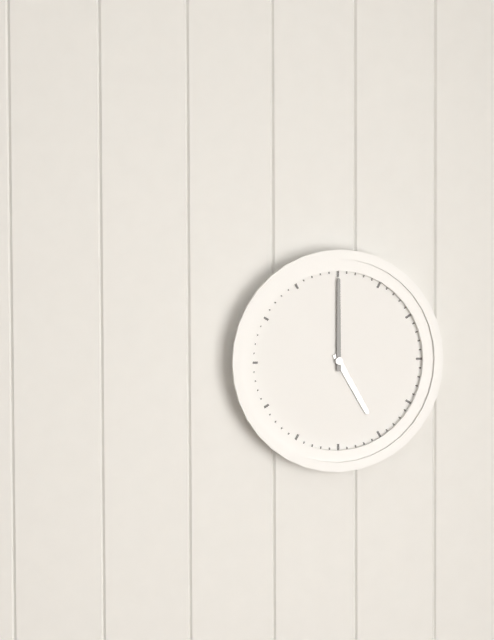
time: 5:00
